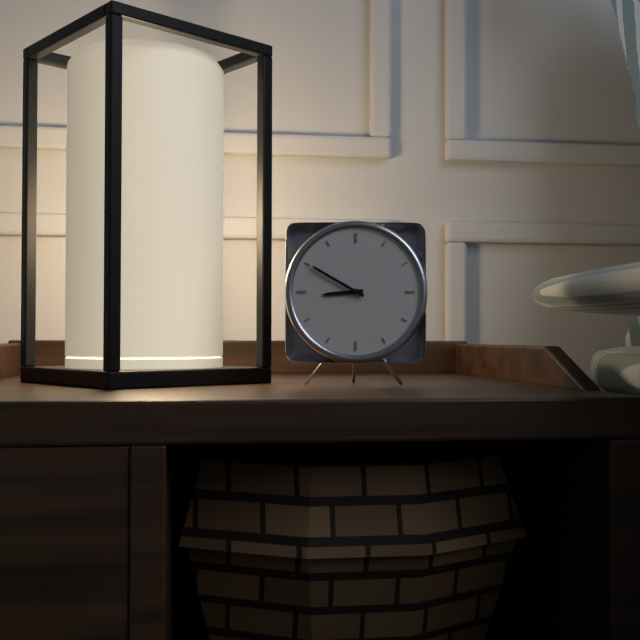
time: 8:50
